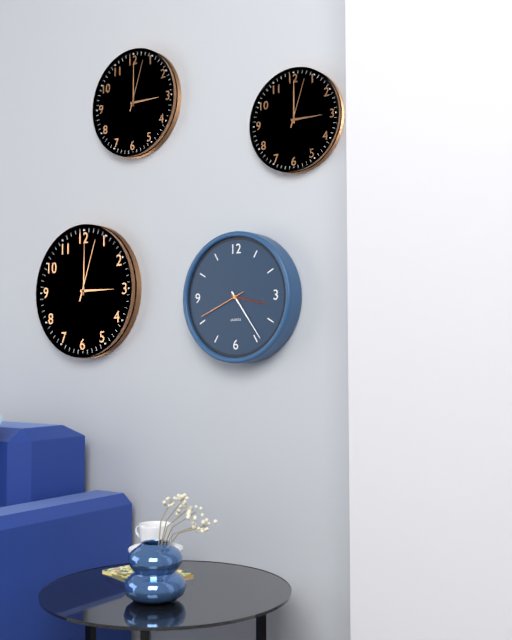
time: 3:24
